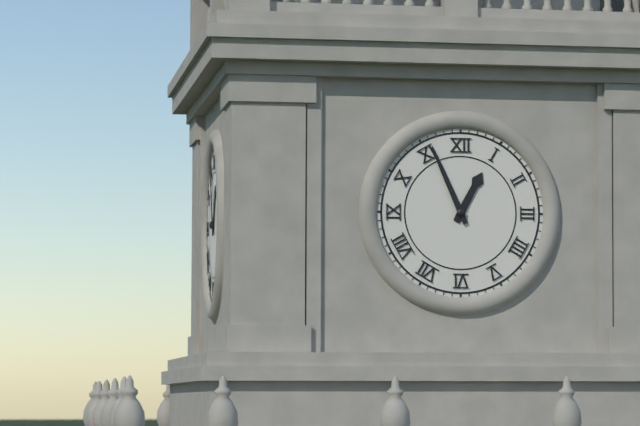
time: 12:56
